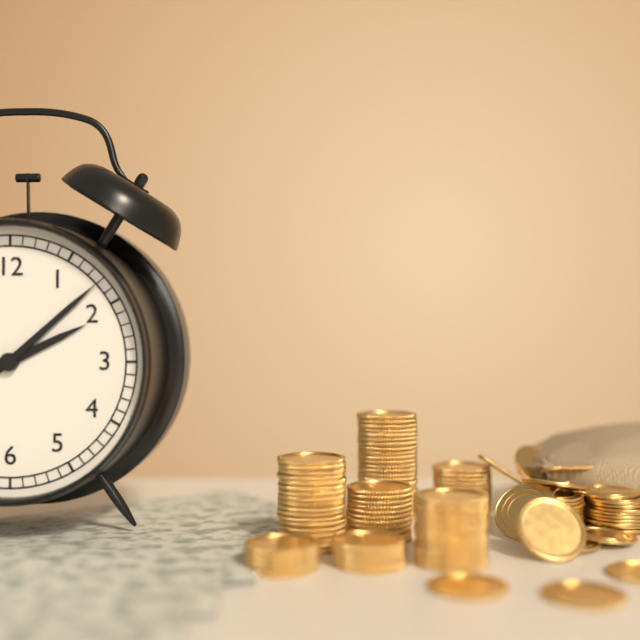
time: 2:08
